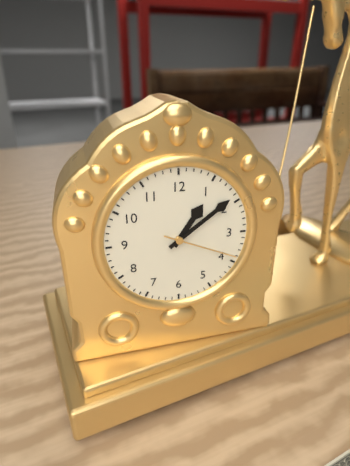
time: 1:09:19
